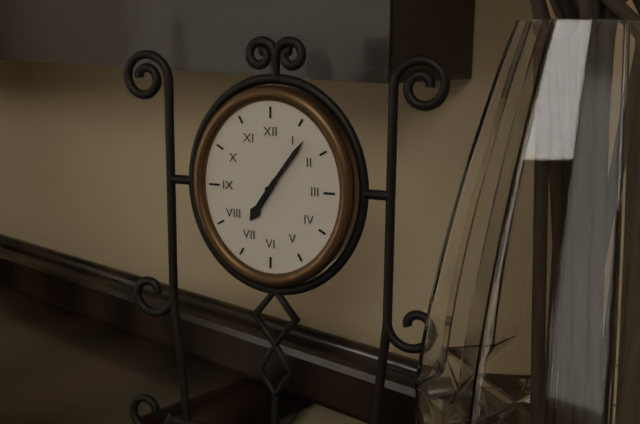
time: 7:06
